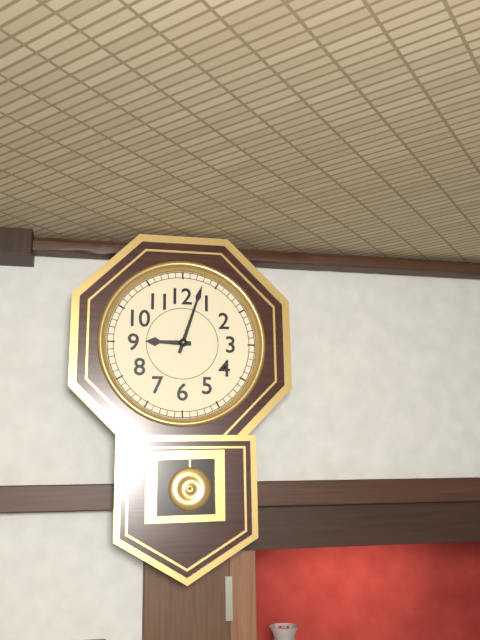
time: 9:03
